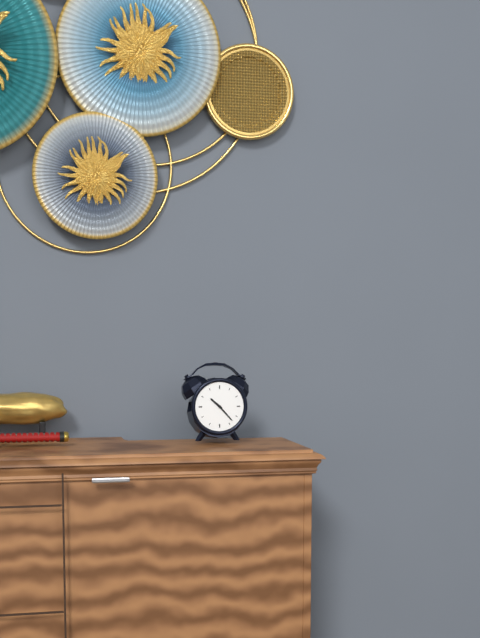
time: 10:23
